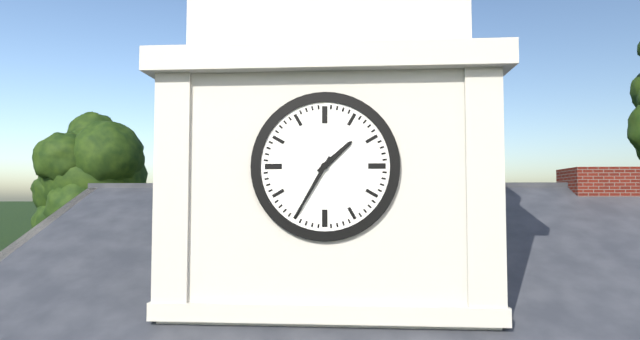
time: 1:35
